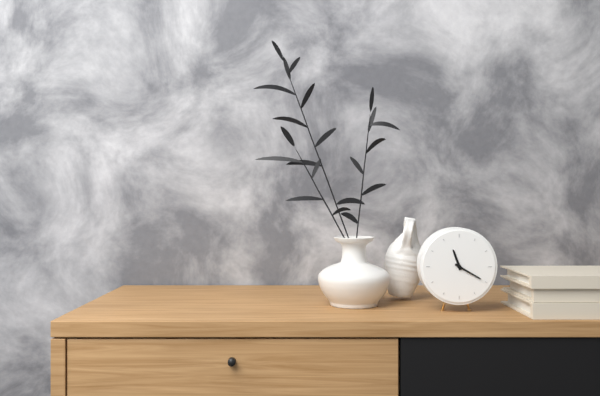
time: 11:20
